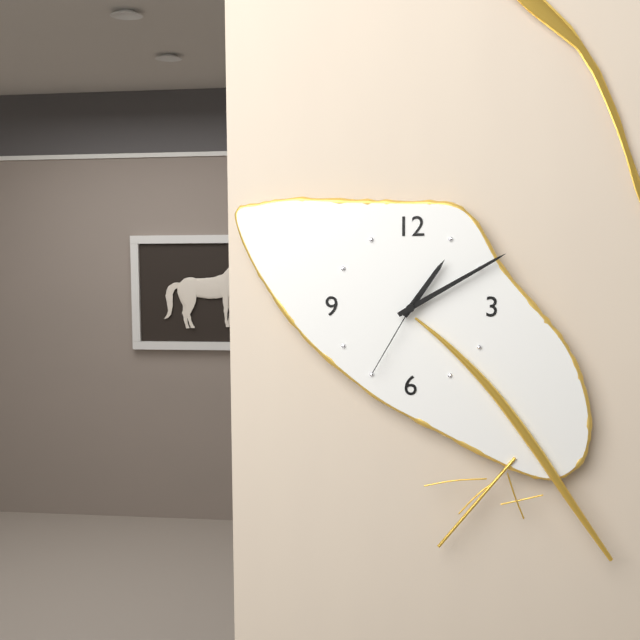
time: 1:10:35
